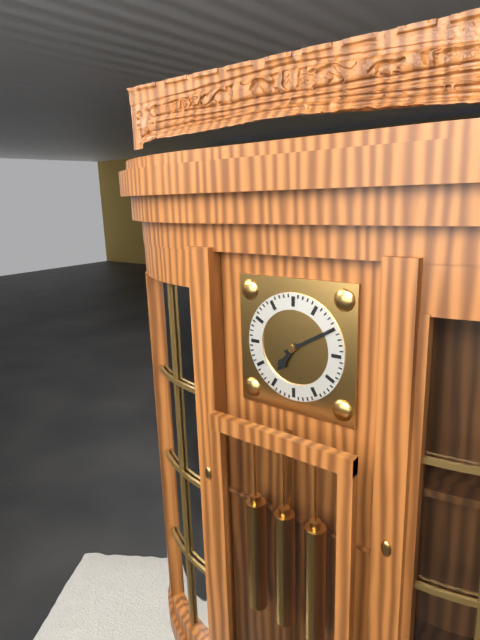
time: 7:10
